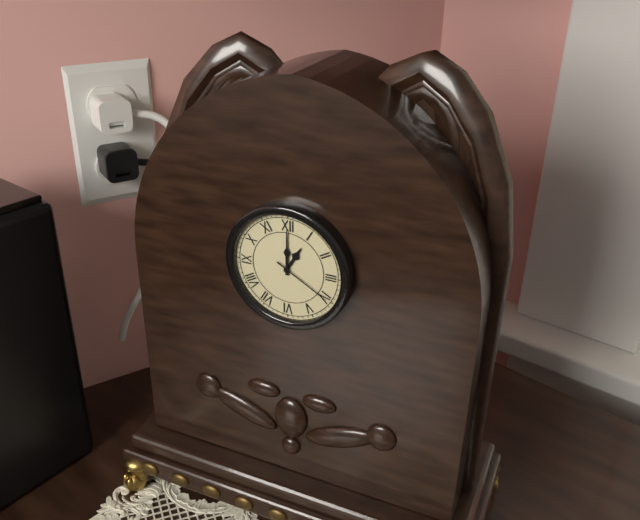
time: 1:00:20
